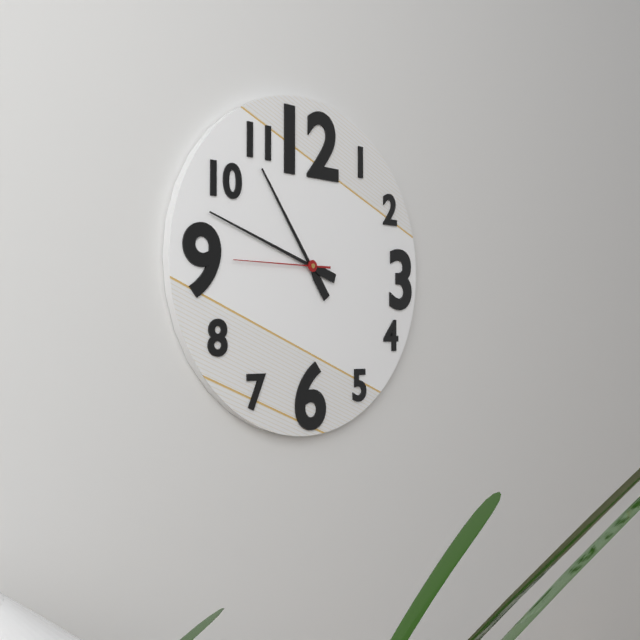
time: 10:48:45
